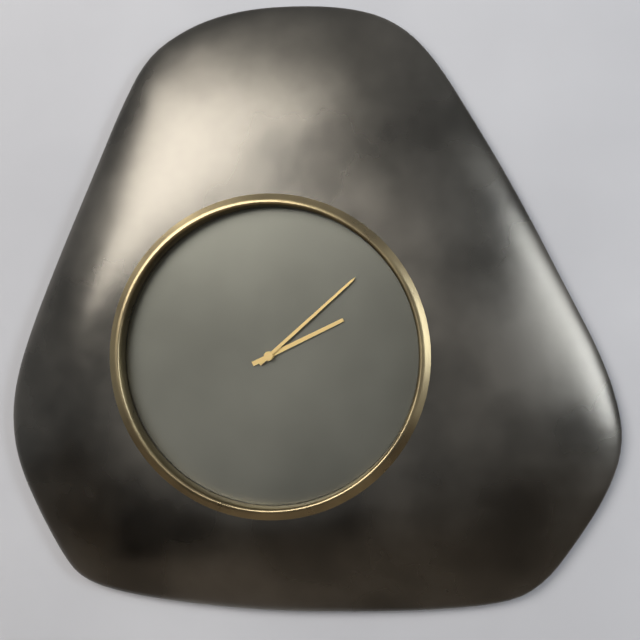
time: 2:08
